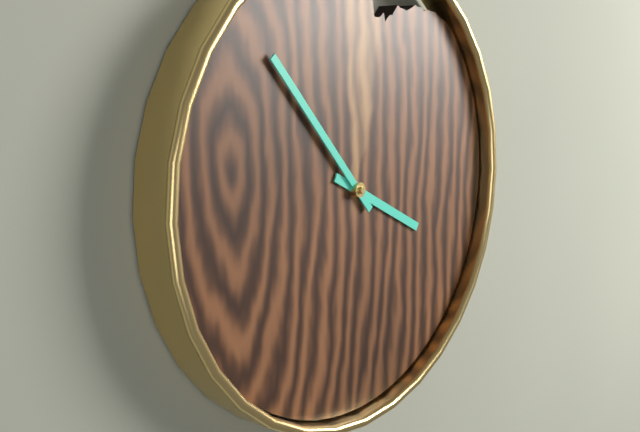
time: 3:53
